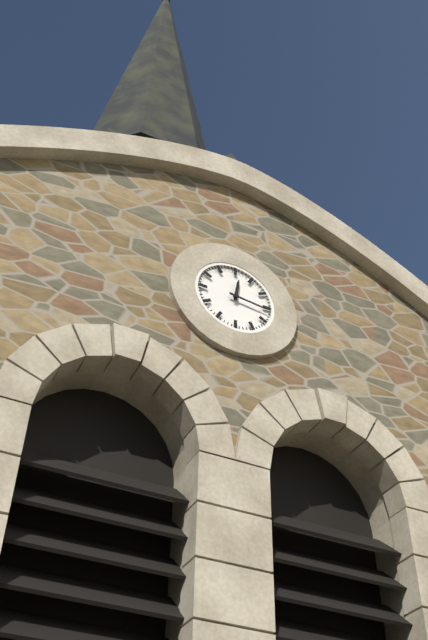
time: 12:16
